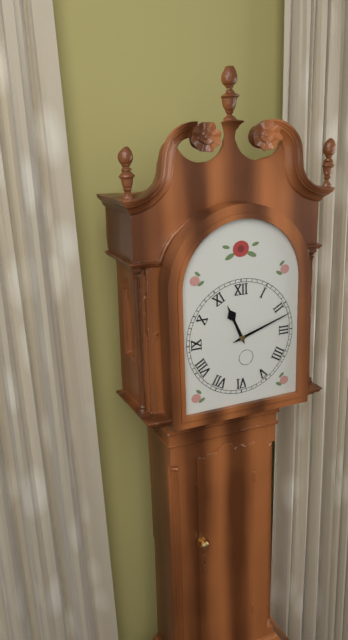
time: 11:12
